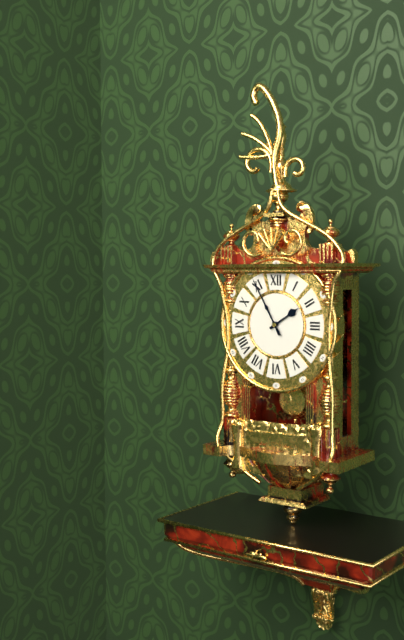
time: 1:55
